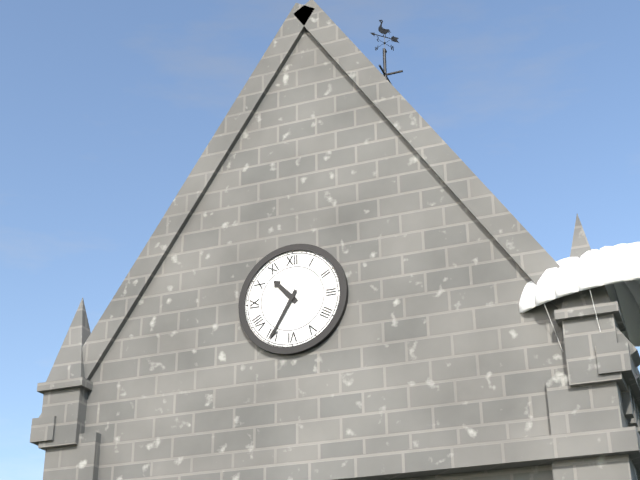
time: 10:35
